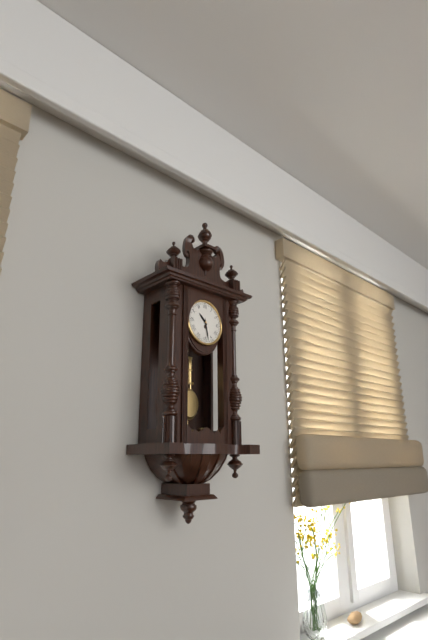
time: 10:28
